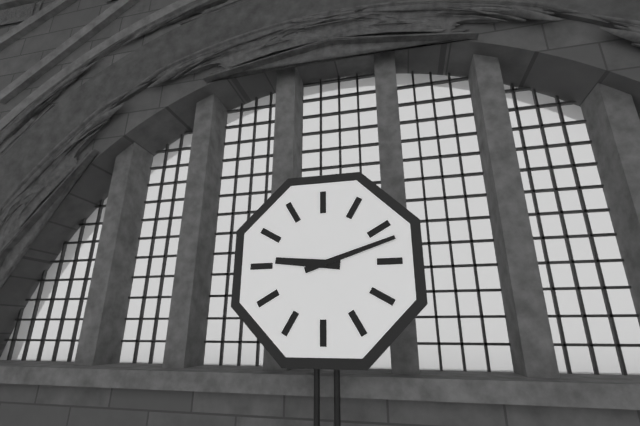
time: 9:12
